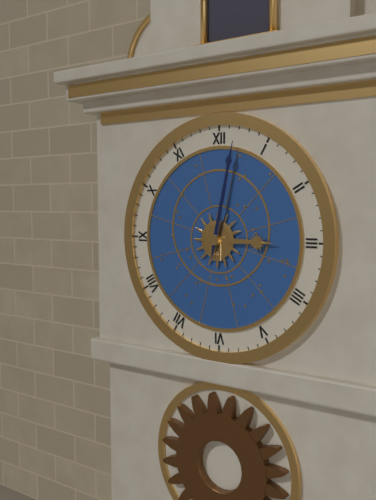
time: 3:02
